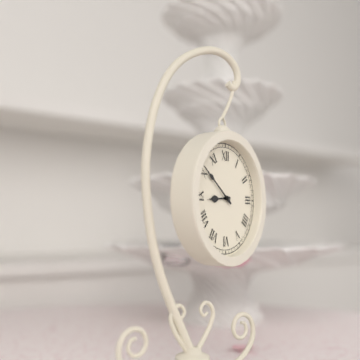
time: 8:51
